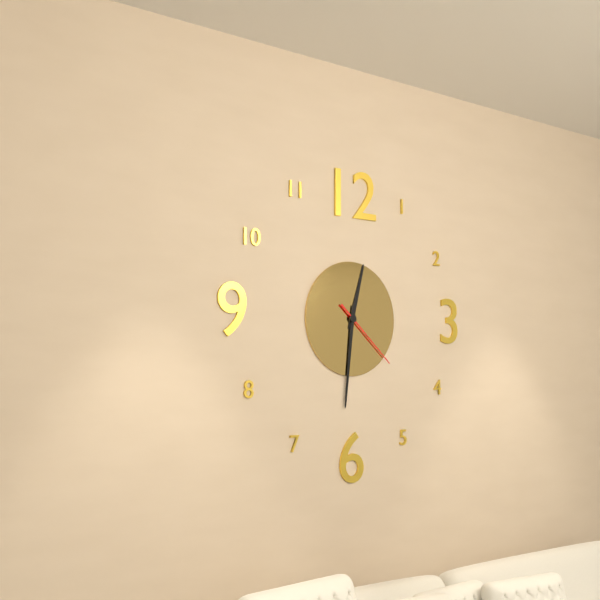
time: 12:31:22
